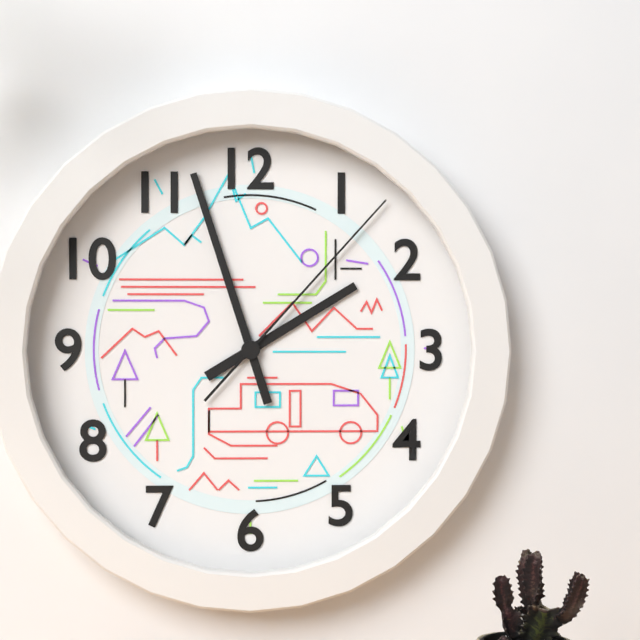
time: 1:57:07
